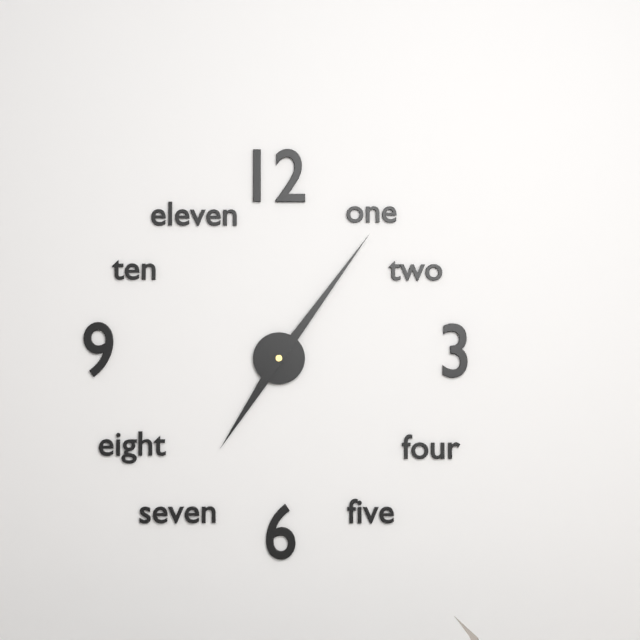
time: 7:06
